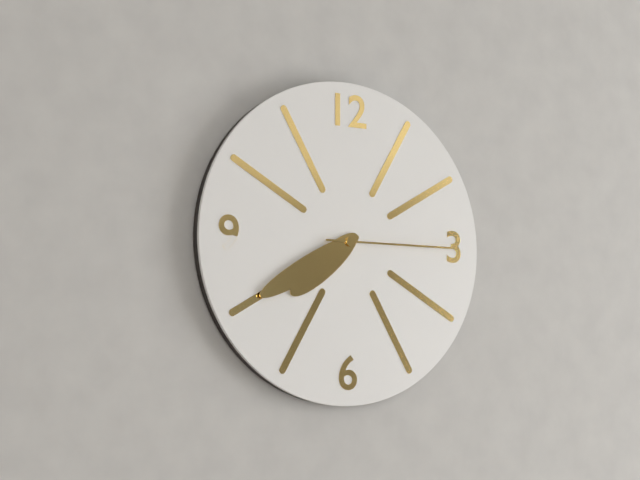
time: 7:40:15
